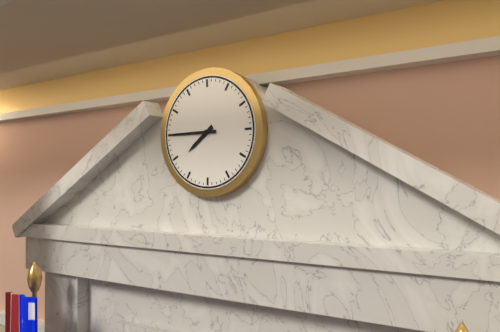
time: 7:45
